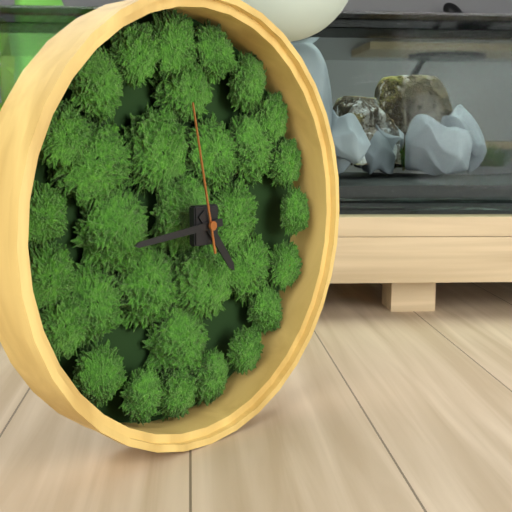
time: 4:44:58
